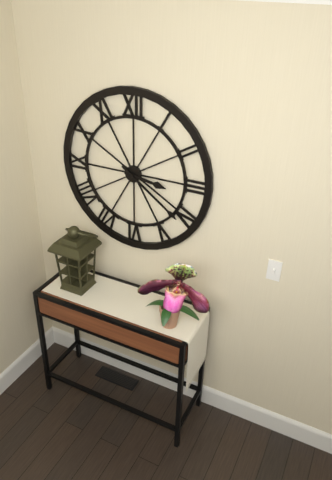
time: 3:21
